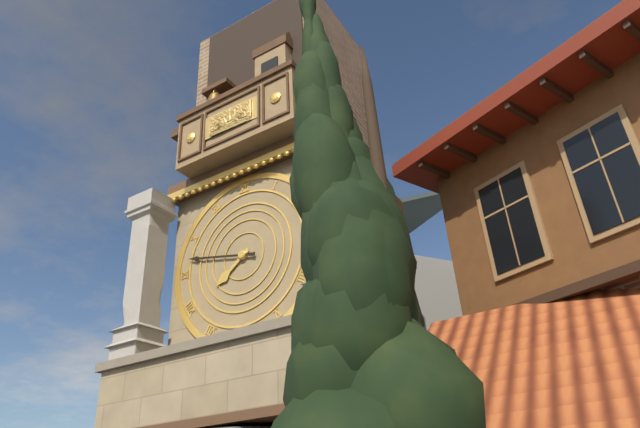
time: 7:47
